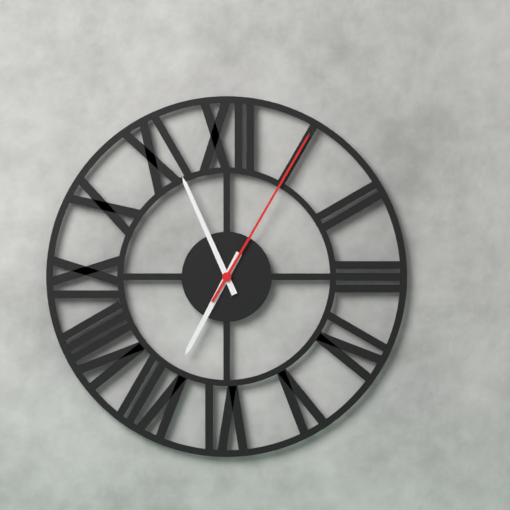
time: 6:56:05
